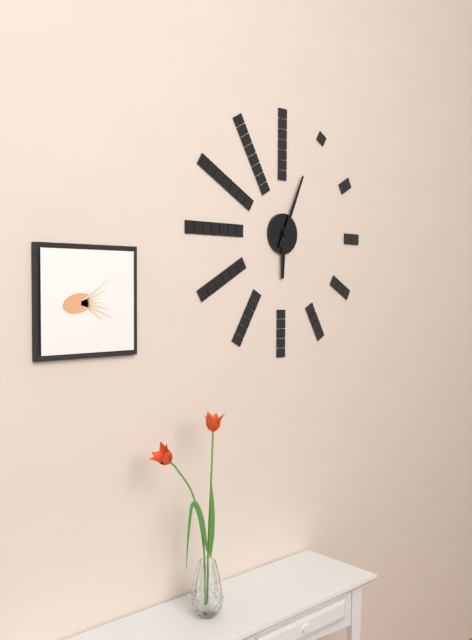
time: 6:04
